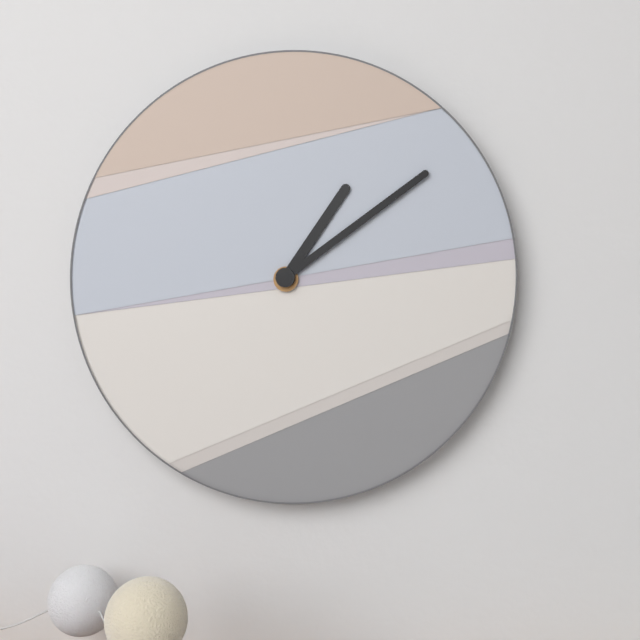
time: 1:09
